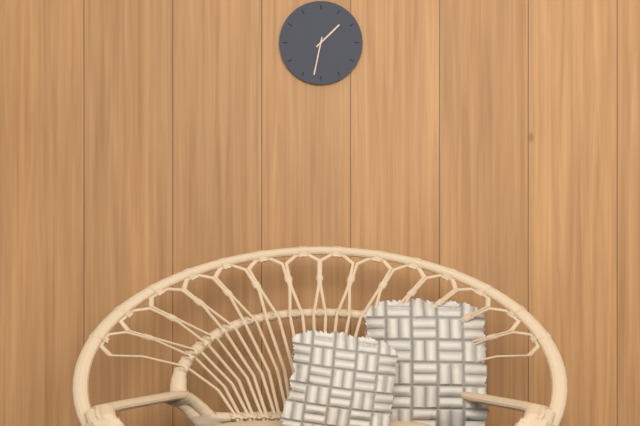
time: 1:32
